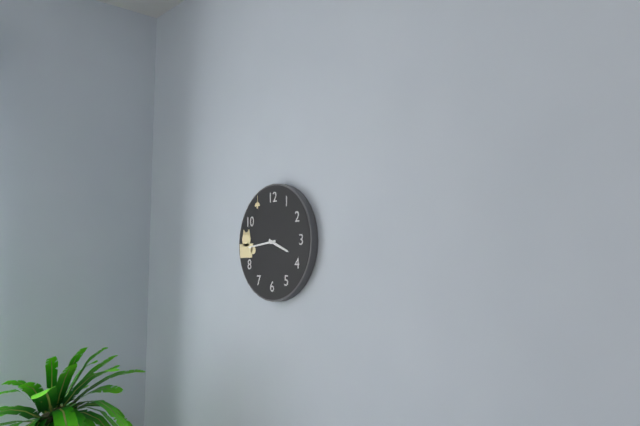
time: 3:44
